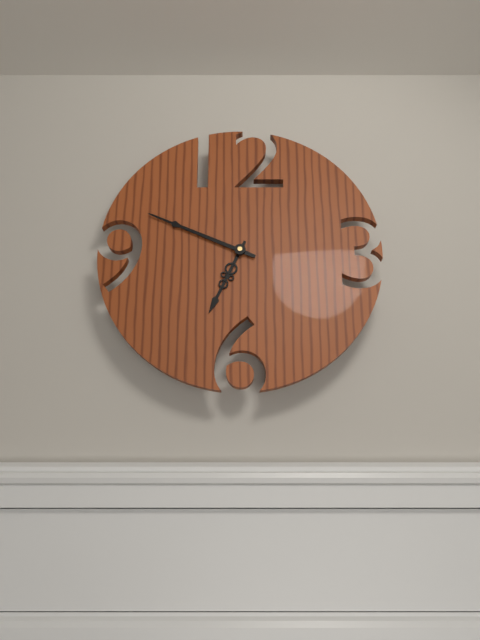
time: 6:49
